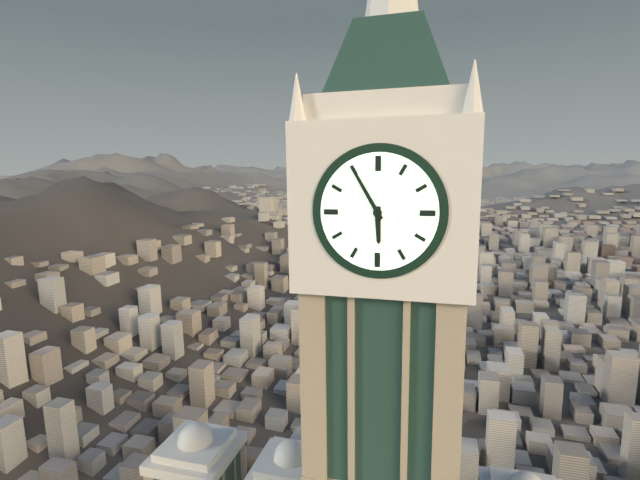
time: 5:55
